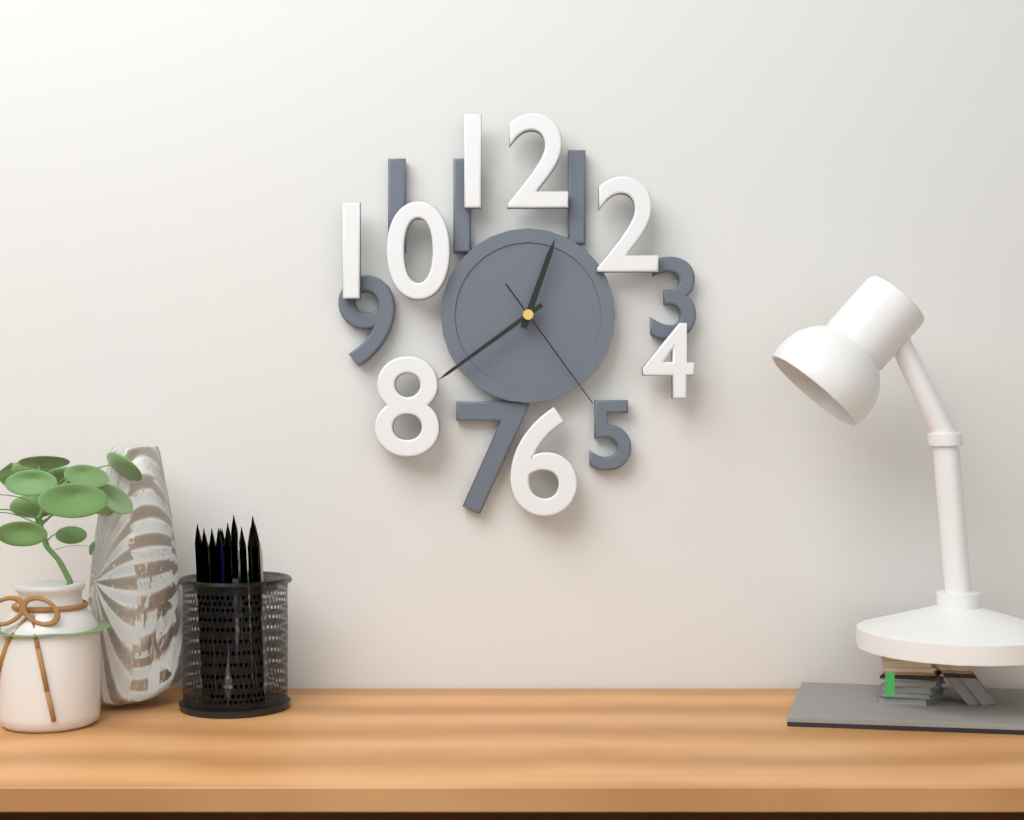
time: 12:39:24
